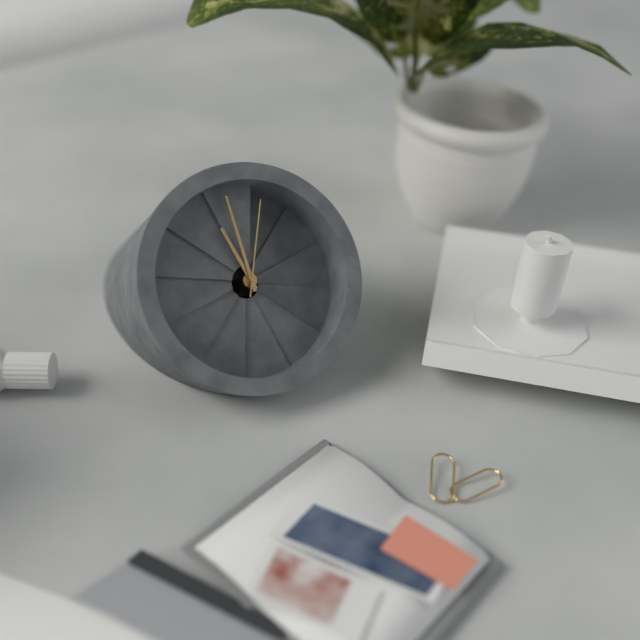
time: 10:57:01
